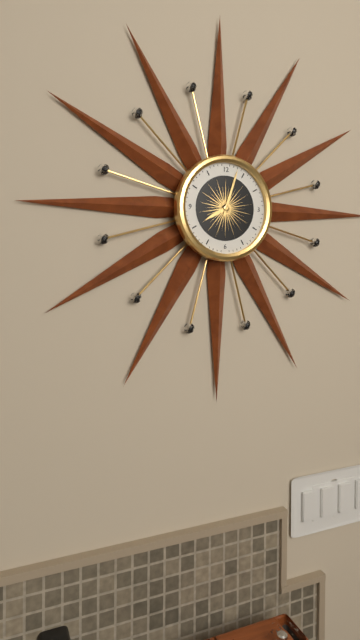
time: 8:03
